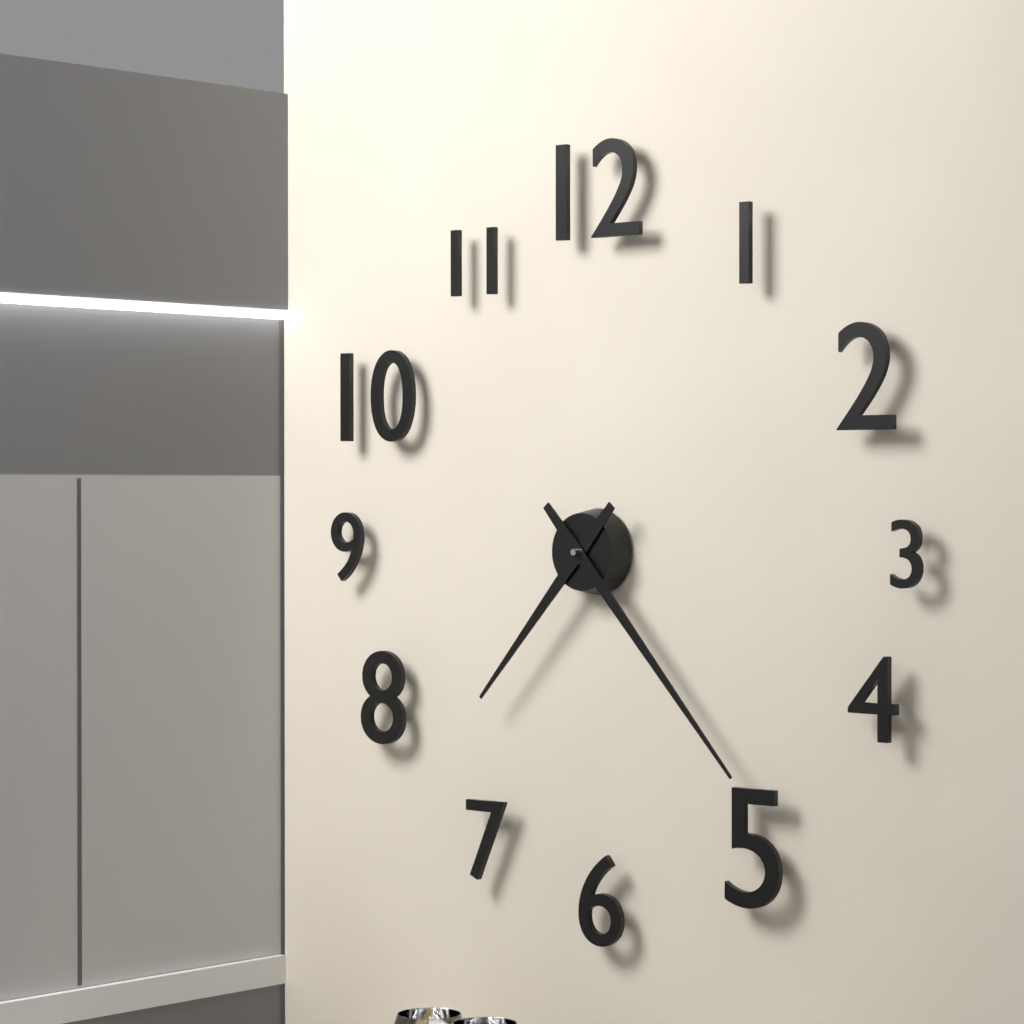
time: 7:23
